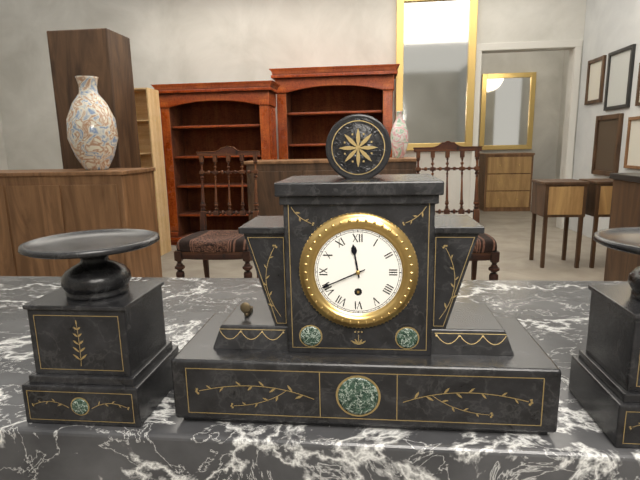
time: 11:41
